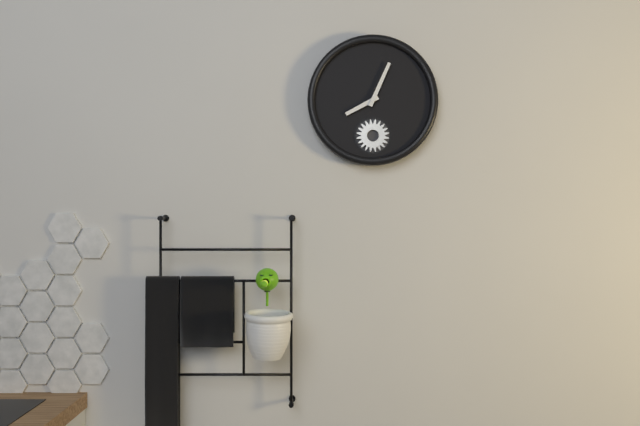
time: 8:04
